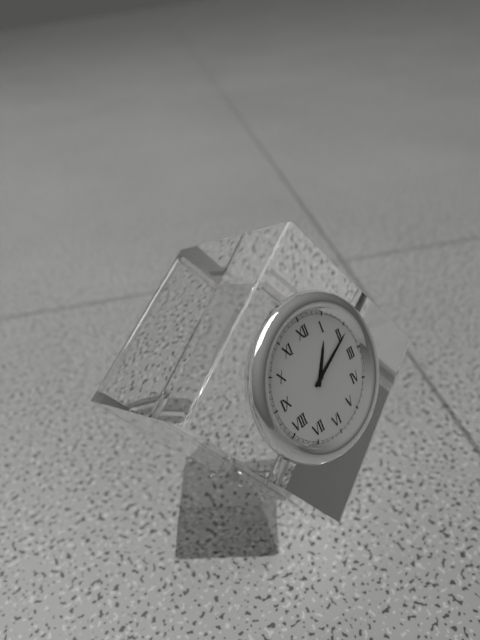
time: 1:11
